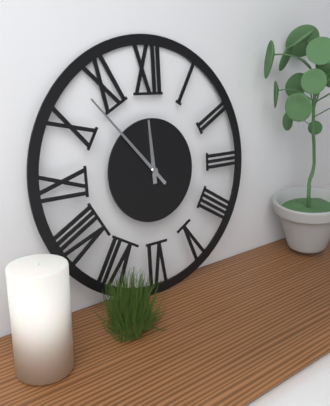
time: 11:53
